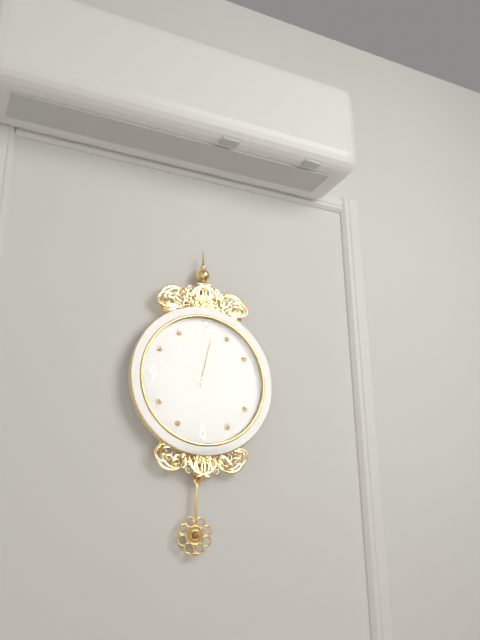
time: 2:02
